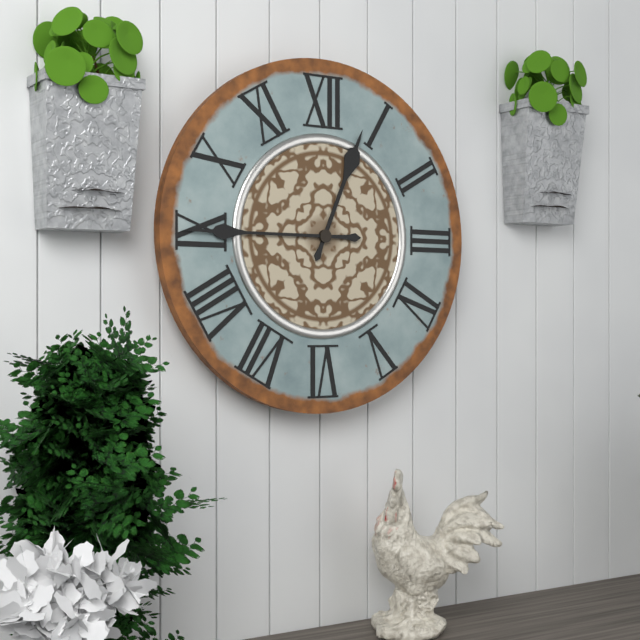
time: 12:45
